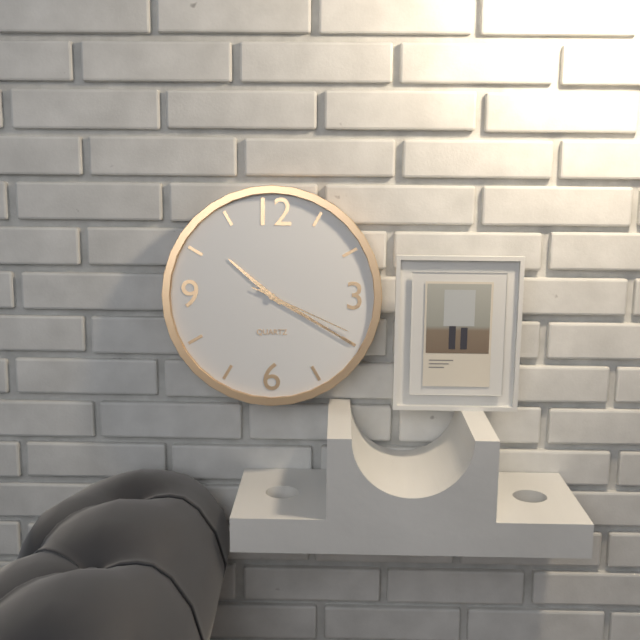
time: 10:20:19
